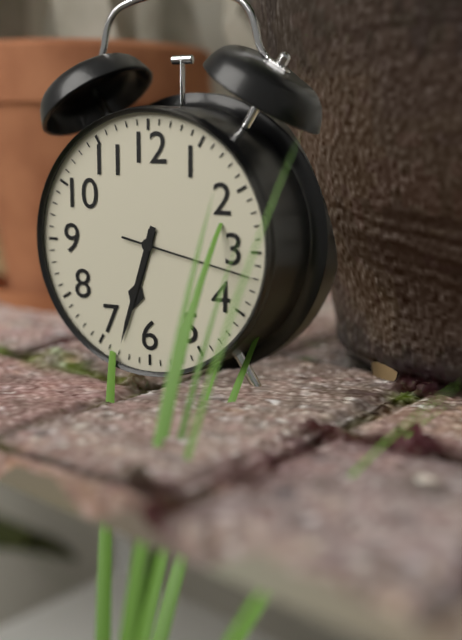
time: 6:33:17
